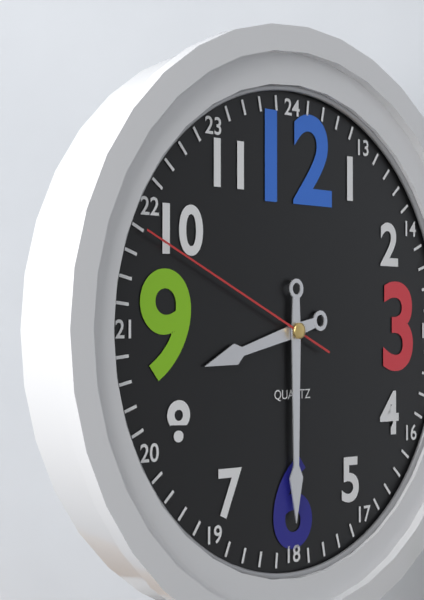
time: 8:30:49
